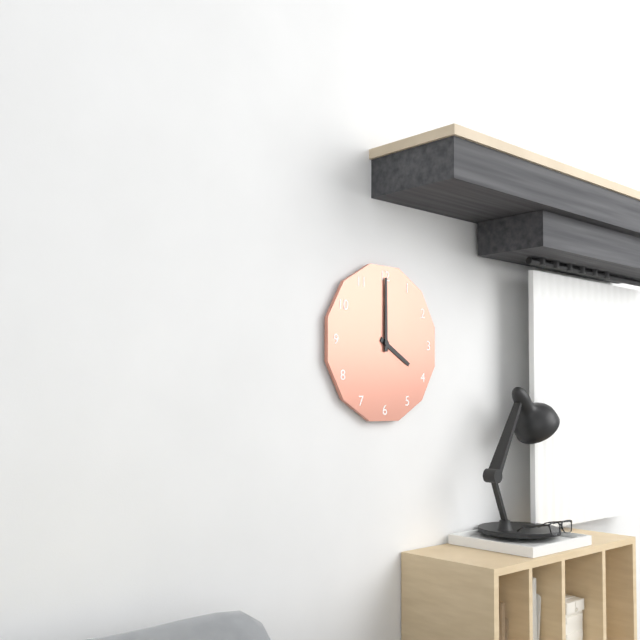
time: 4:00
